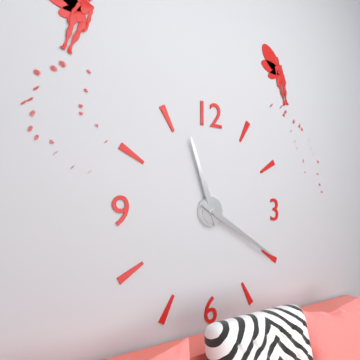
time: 11:20
